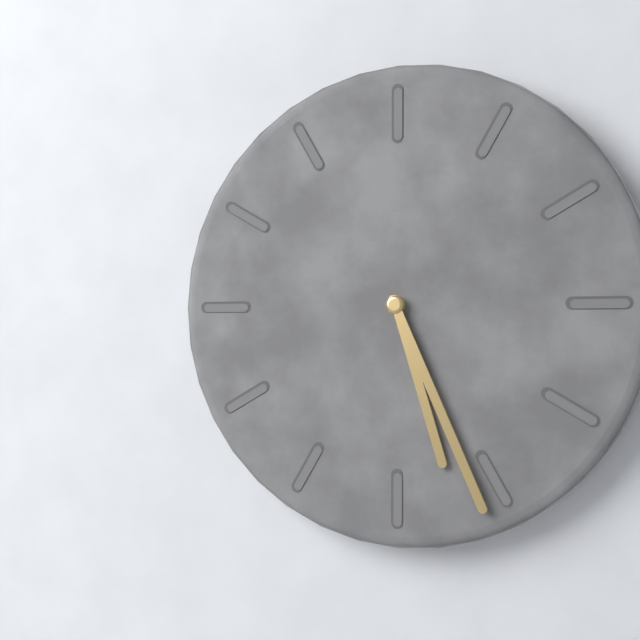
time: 5:26
